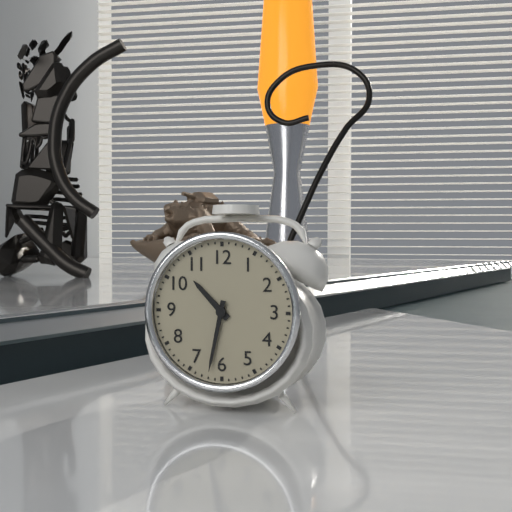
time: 10:32
